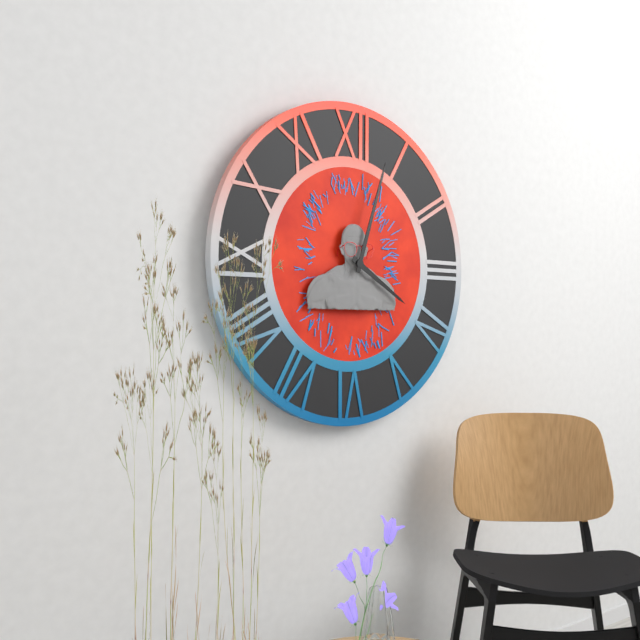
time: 4:03
